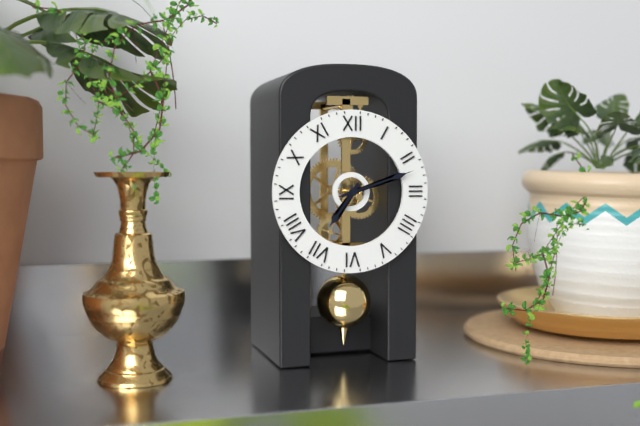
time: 7:12
